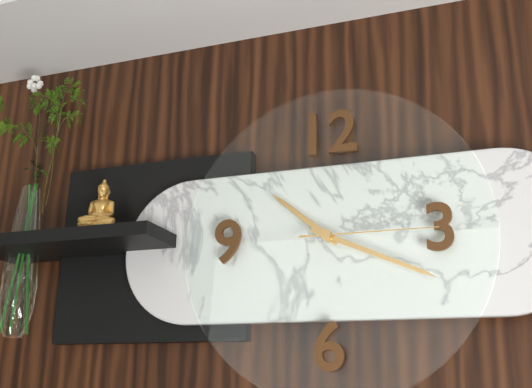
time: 10:19:15
